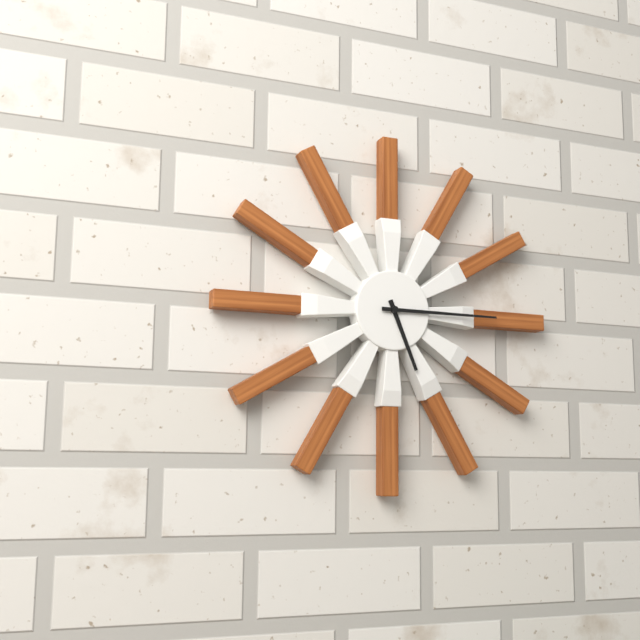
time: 5:15
